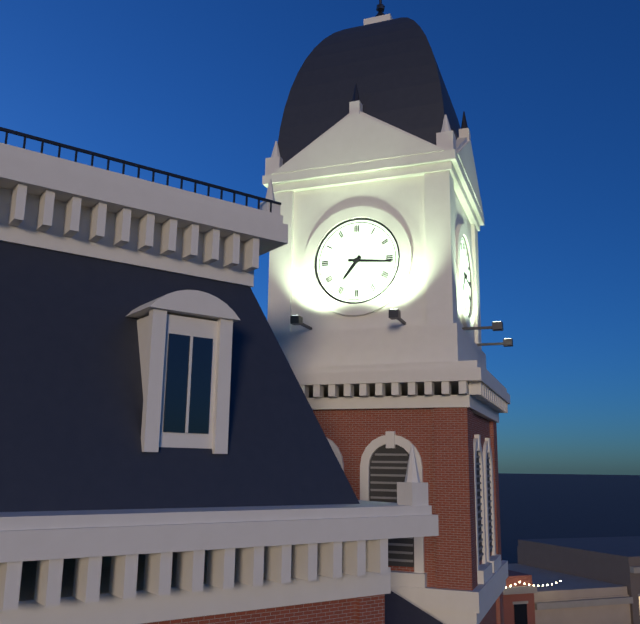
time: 7:16
